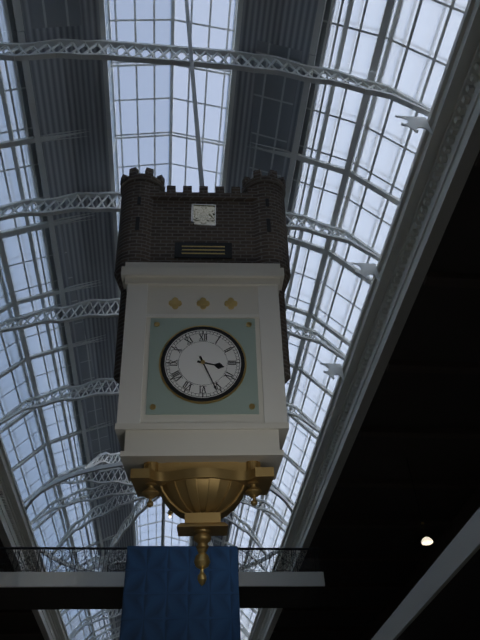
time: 3:26
